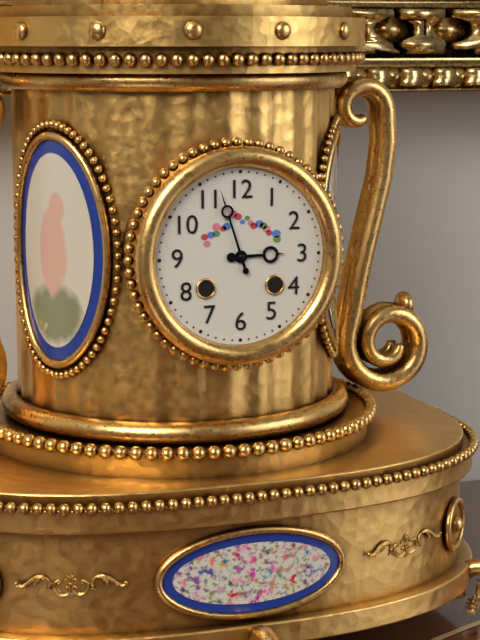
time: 2:57
